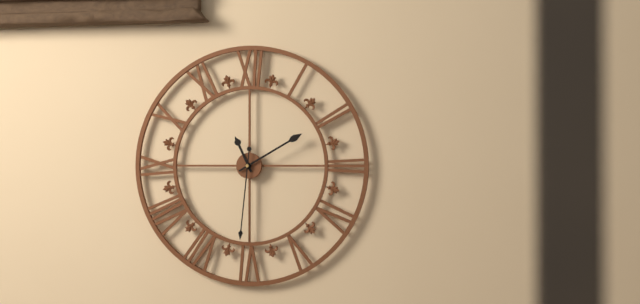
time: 11:10:31
